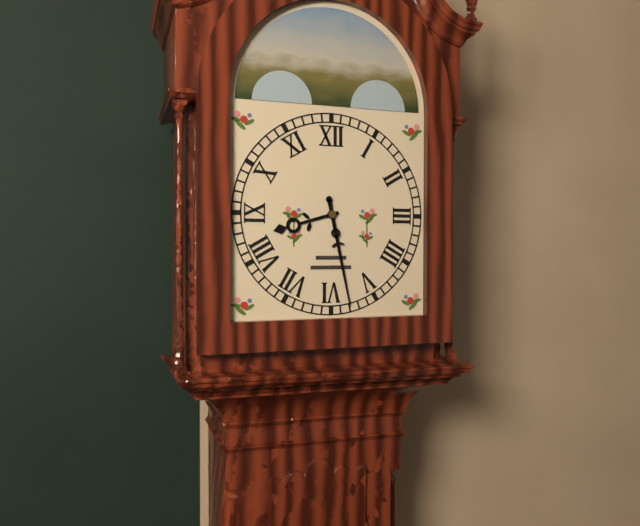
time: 8:28
